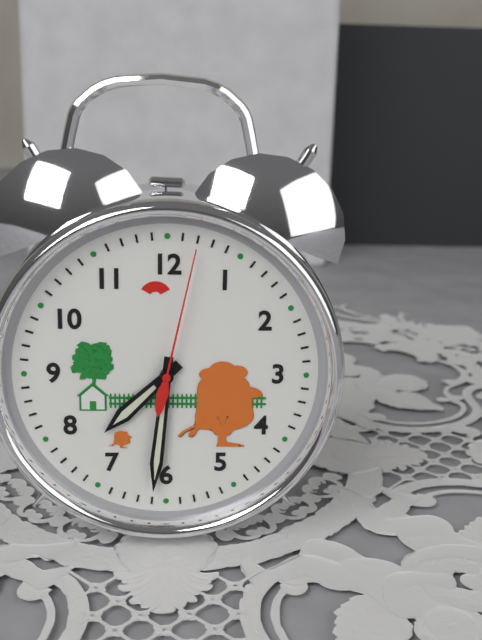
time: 7:31:02
